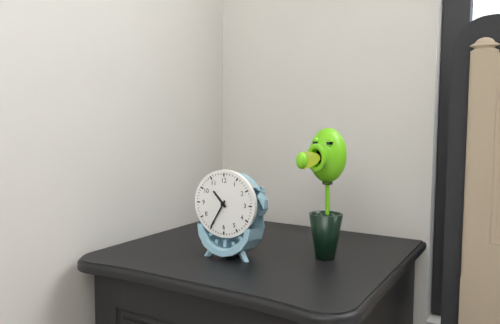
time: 10:35
